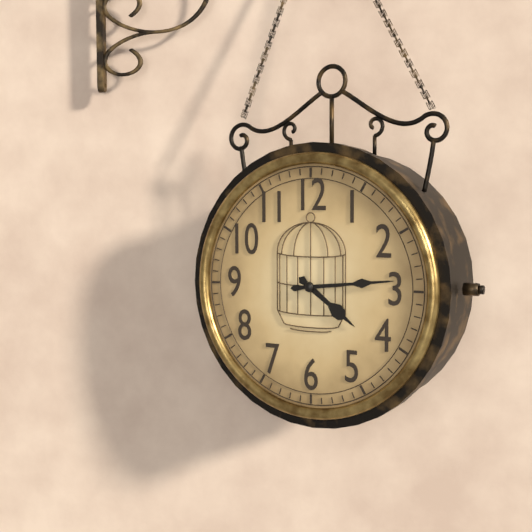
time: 4:14
